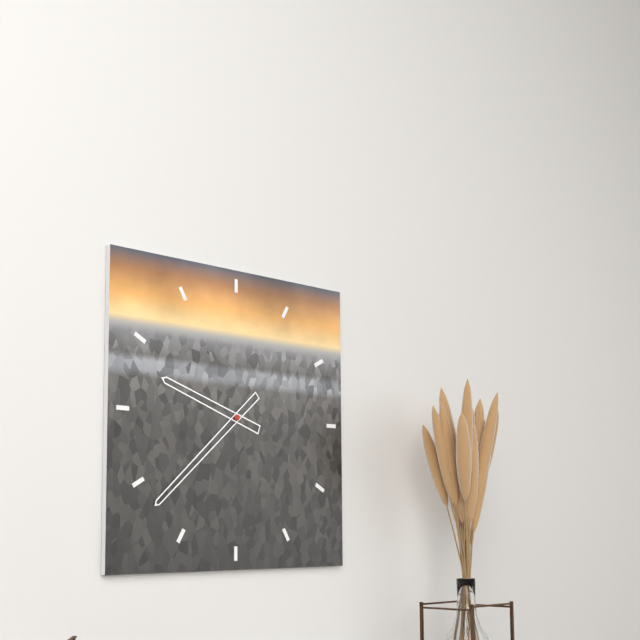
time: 9:38
